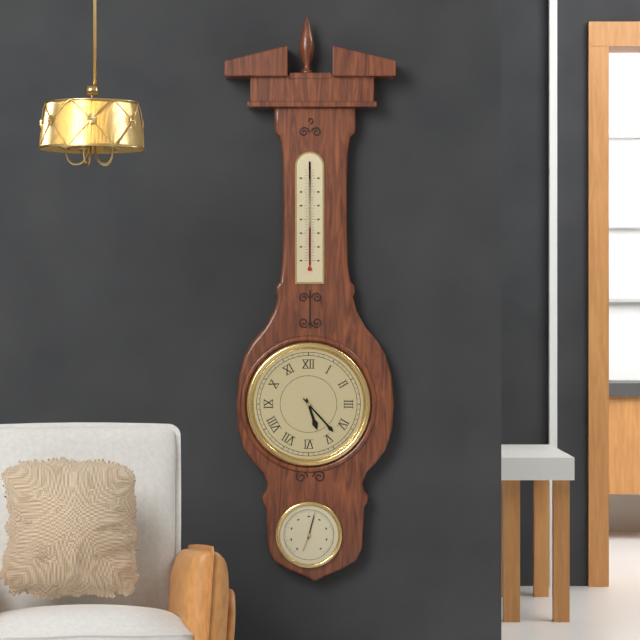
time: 5:23
